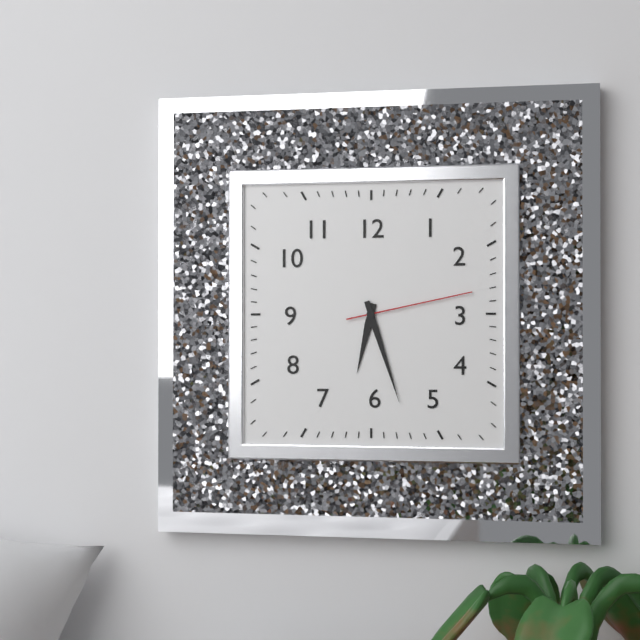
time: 6:27:13
